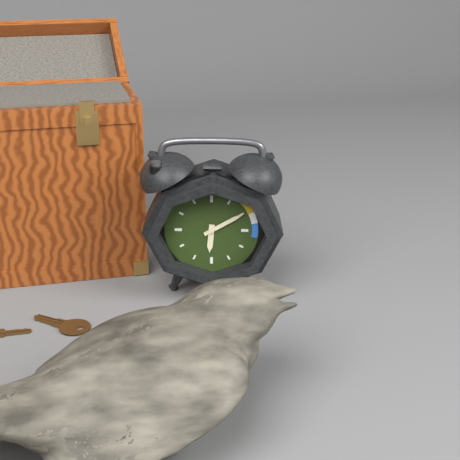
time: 6:10
